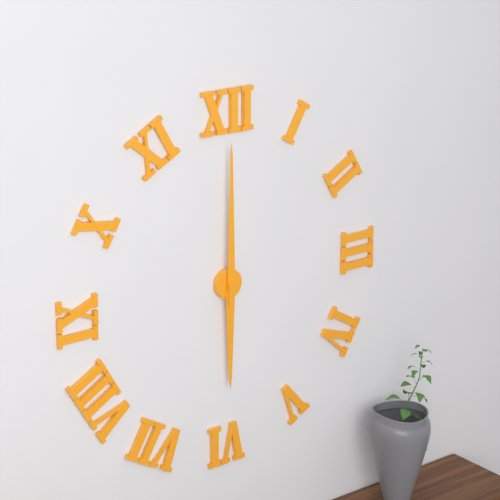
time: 6:00
